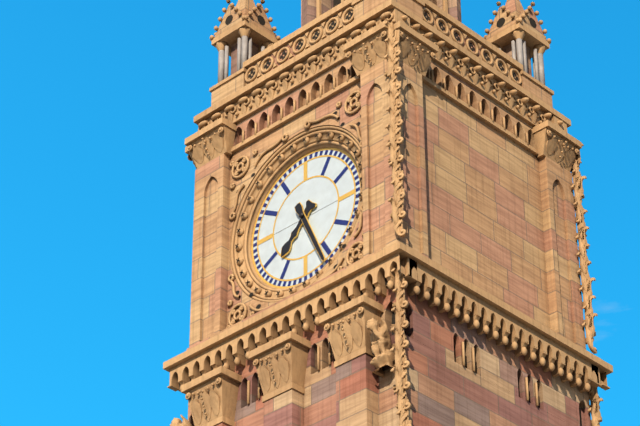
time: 7:26
